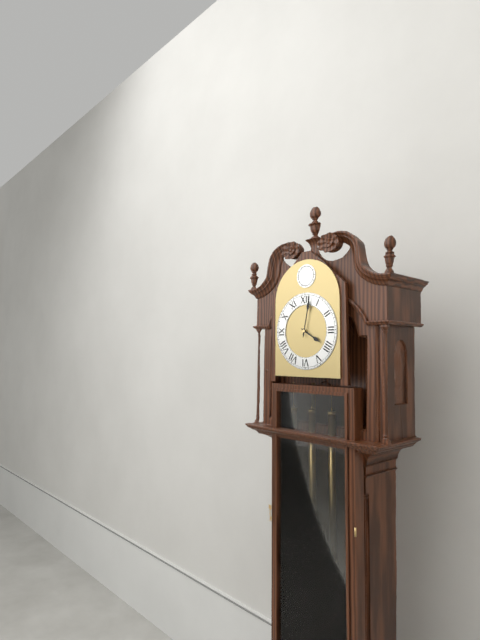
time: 4:02
